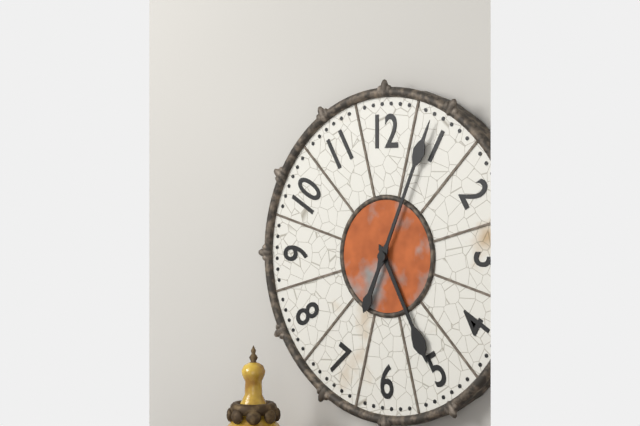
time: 5:04
